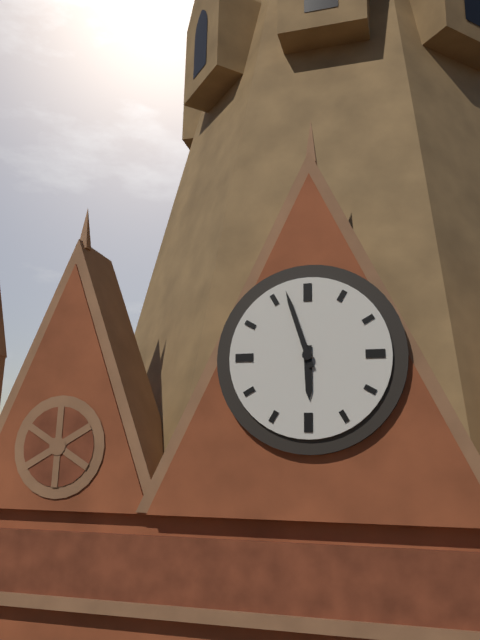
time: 5:57
